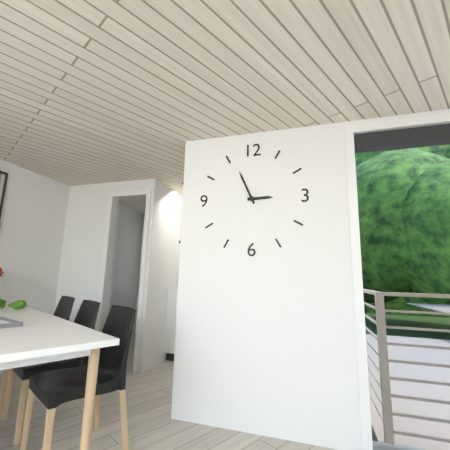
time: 2:56
